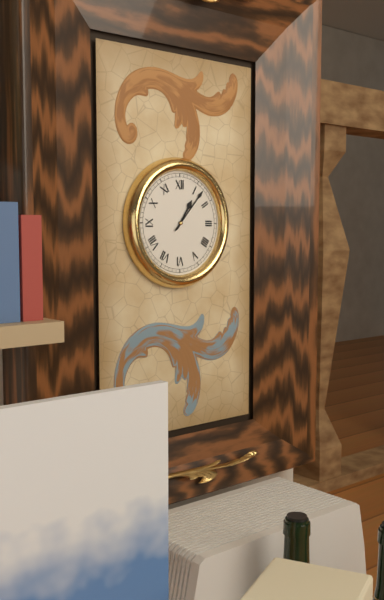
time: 1:07
